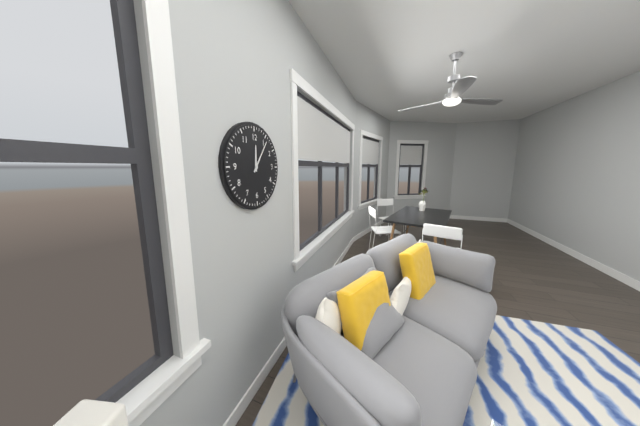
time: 12:06
